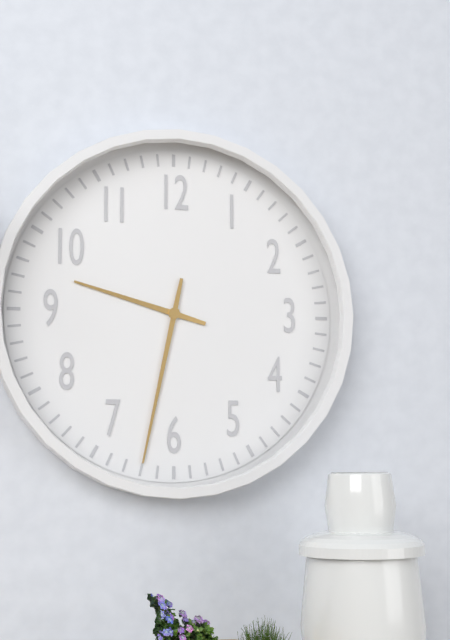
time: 9:32
